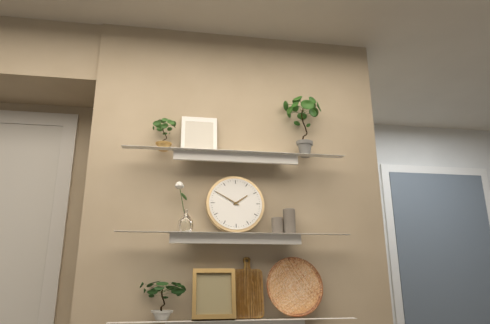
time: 1:50
